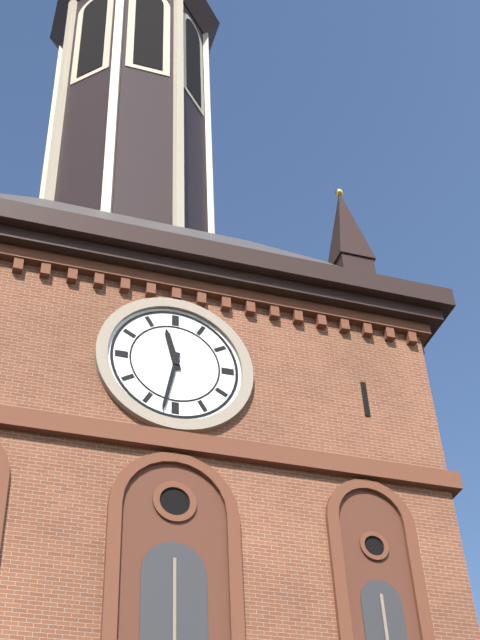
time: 11:32
